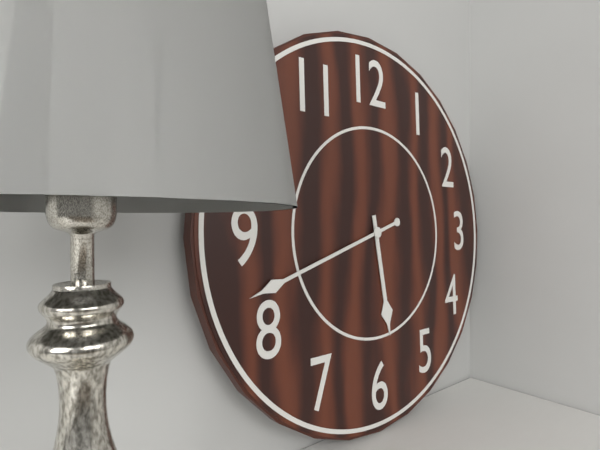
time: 5:42
